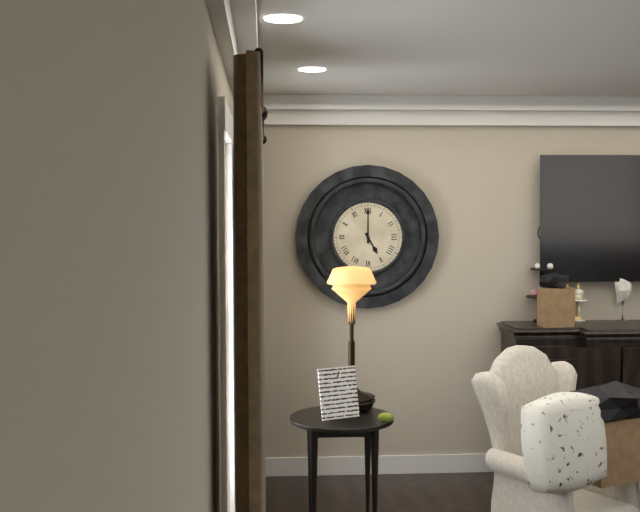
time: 5:00
